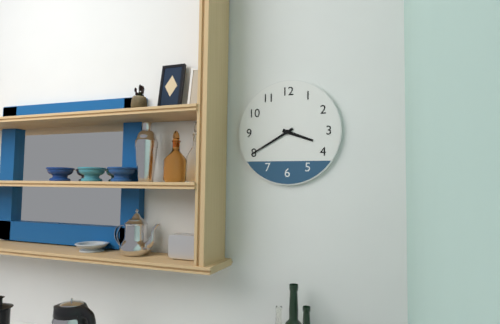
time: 3:40
